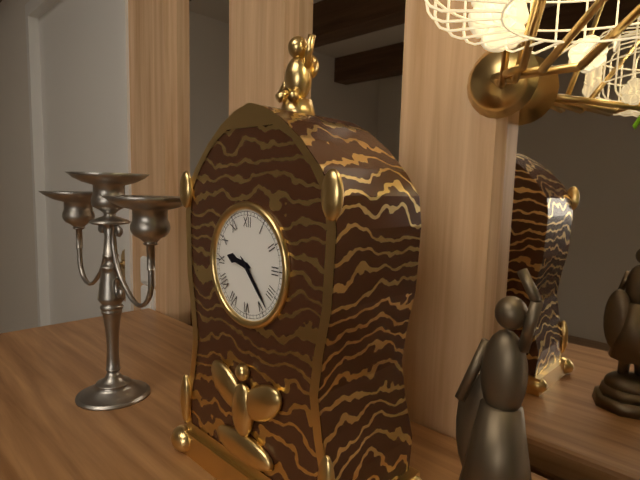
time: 9:23
